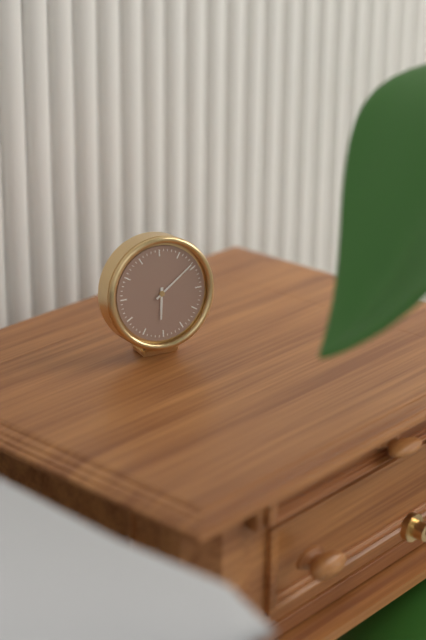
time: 6:09
